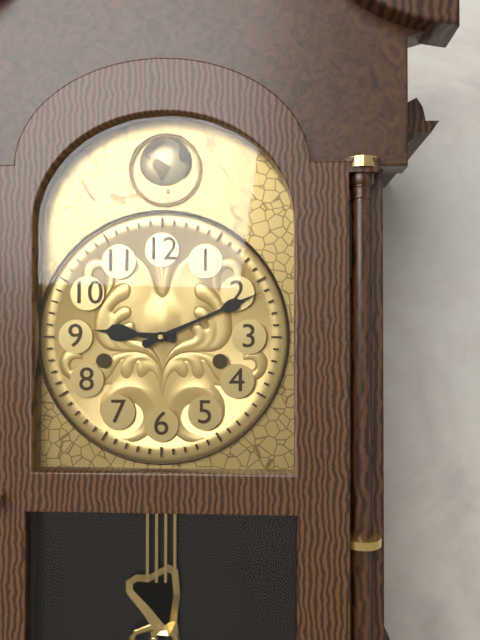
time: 9:11
